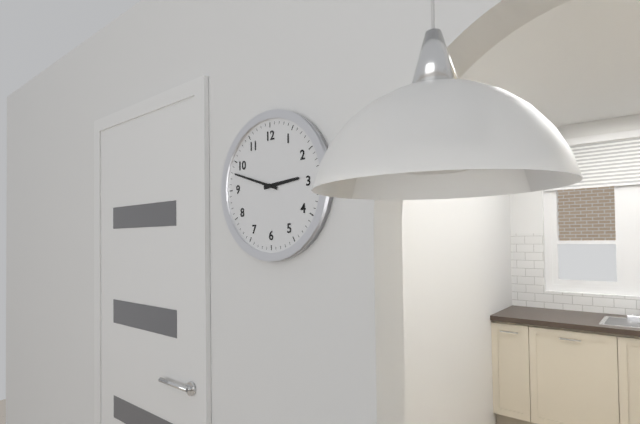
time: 2:48
